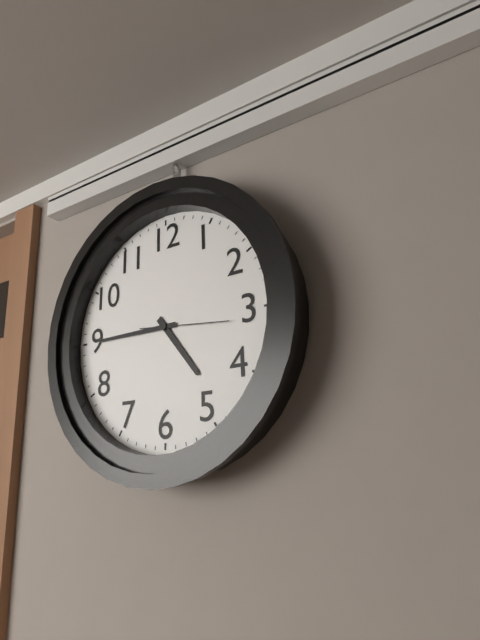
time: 4:45:16
